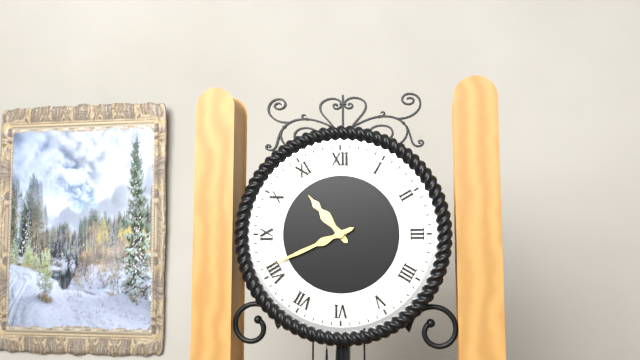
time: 10:41
